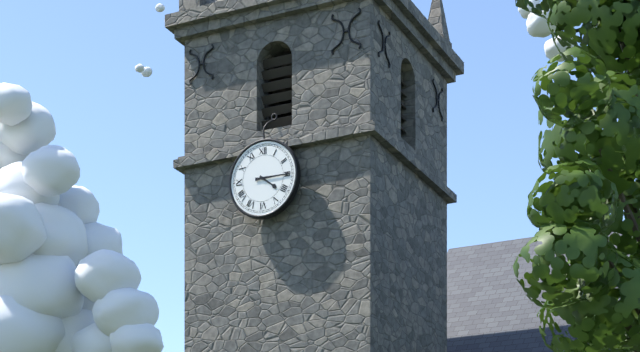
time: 4:15
